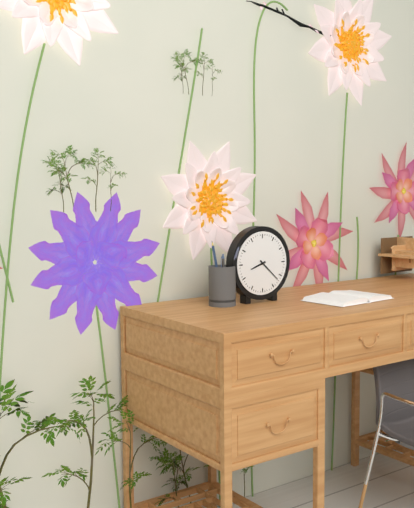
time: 8:22
